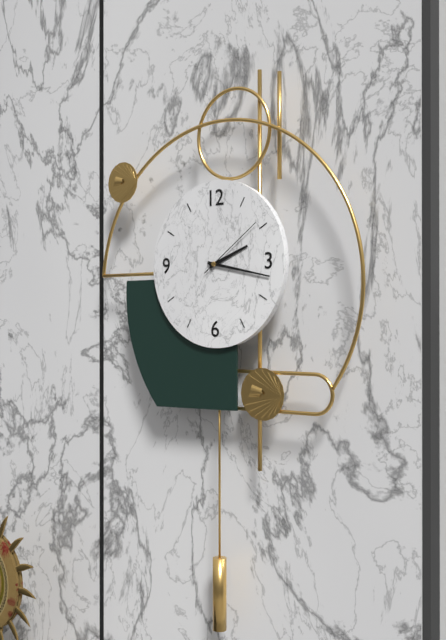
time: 2:17:09
